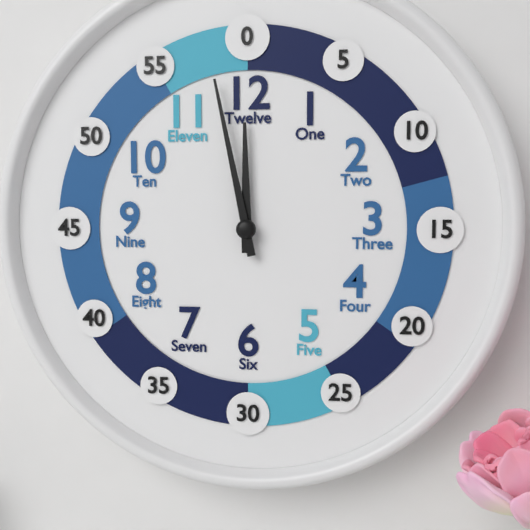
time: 11:58
